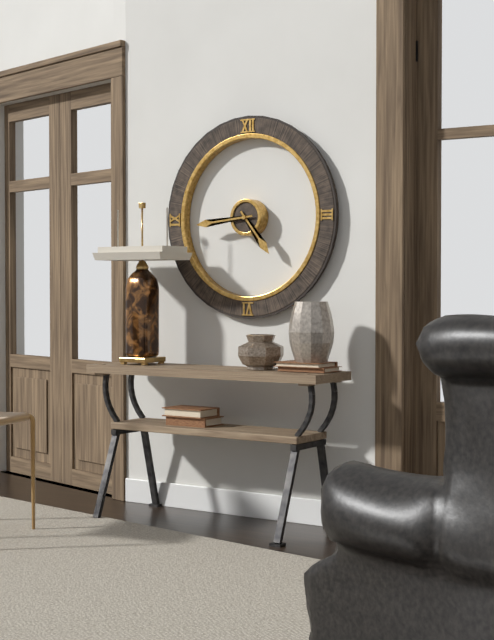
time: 4:44
